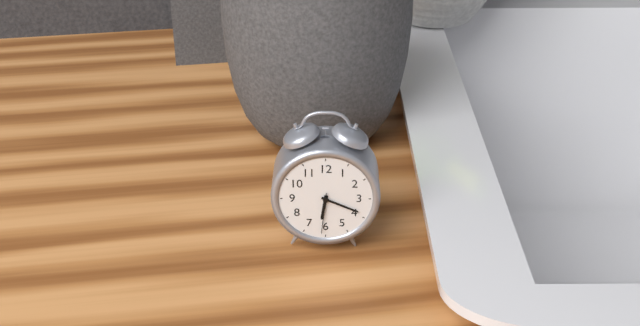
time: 6:19
